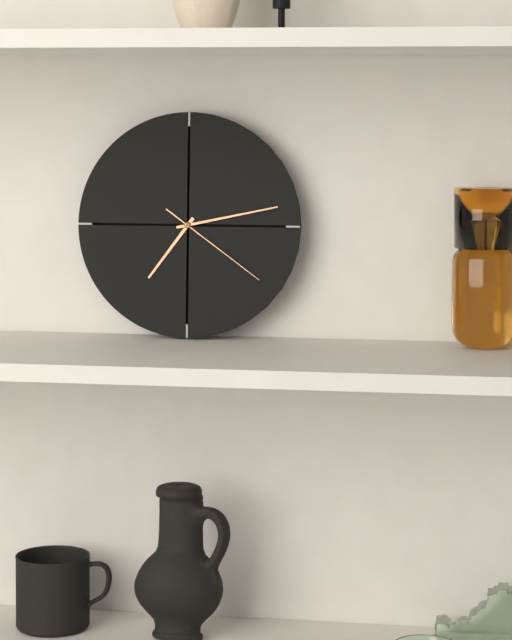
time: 7:13:21
